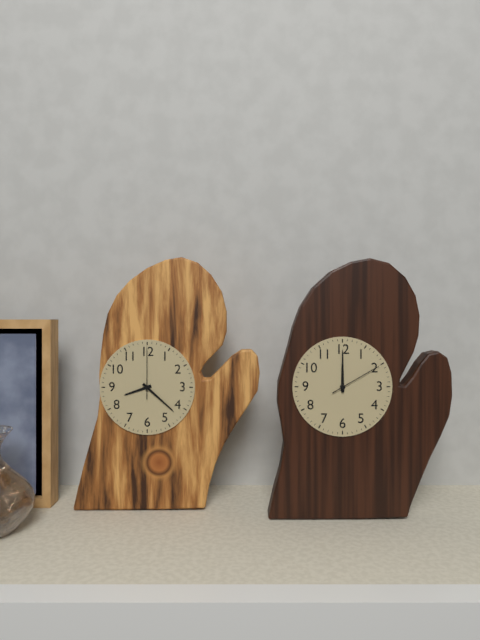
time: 8:22:00
